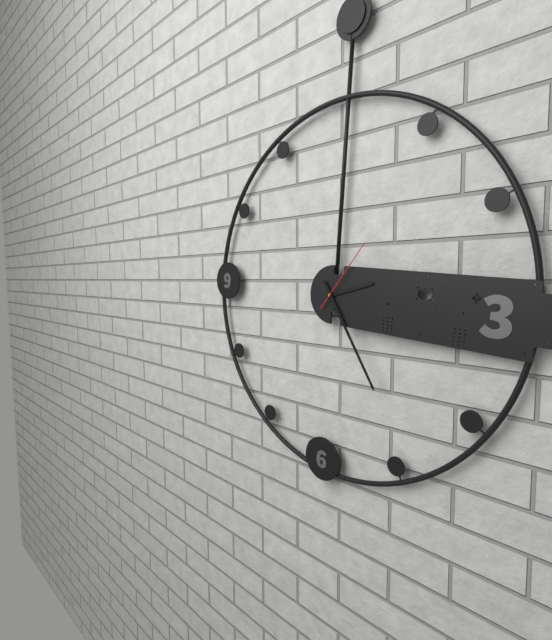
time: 2:24:06
